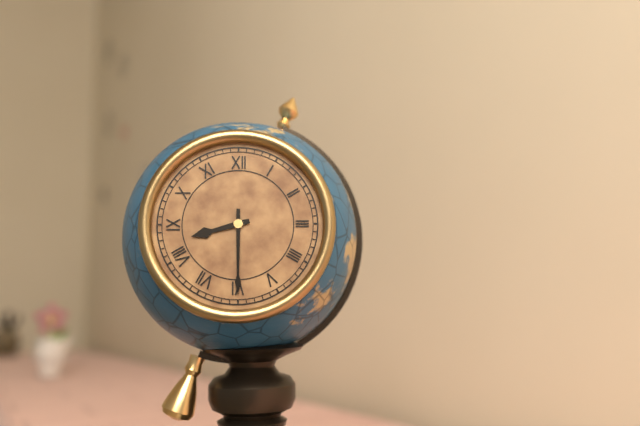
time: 8:30
